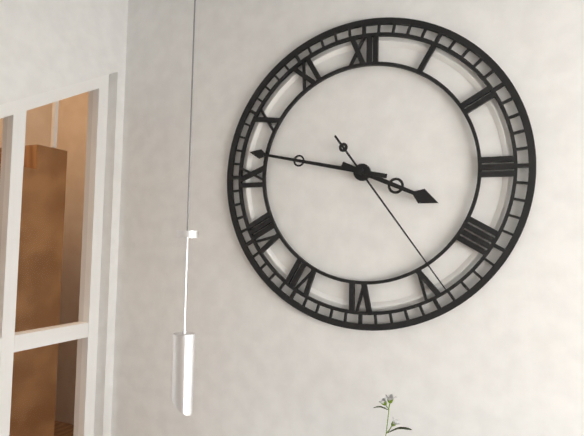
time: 3:47:24
